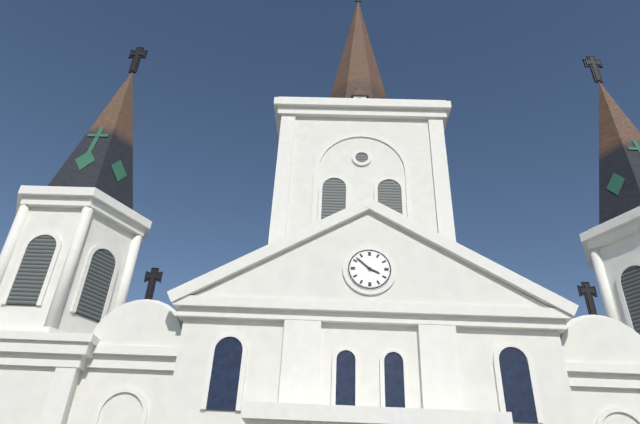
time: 3:52
